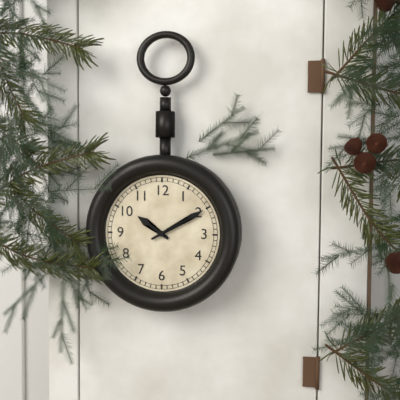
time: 10:10
